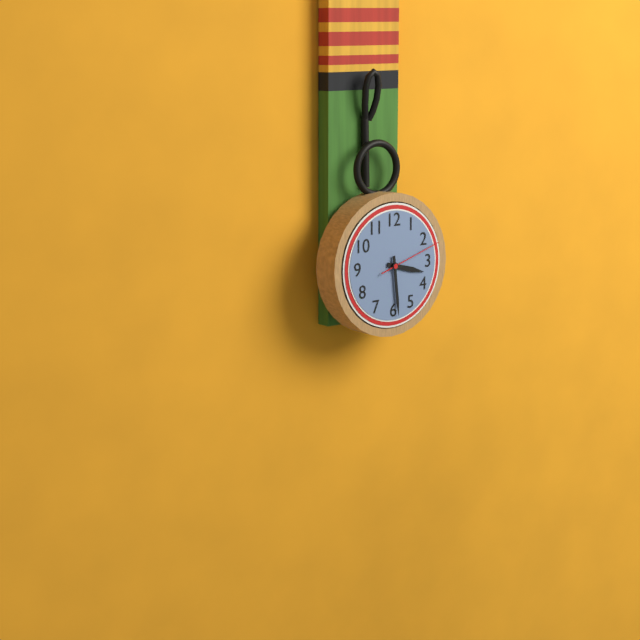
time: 3:29:12
